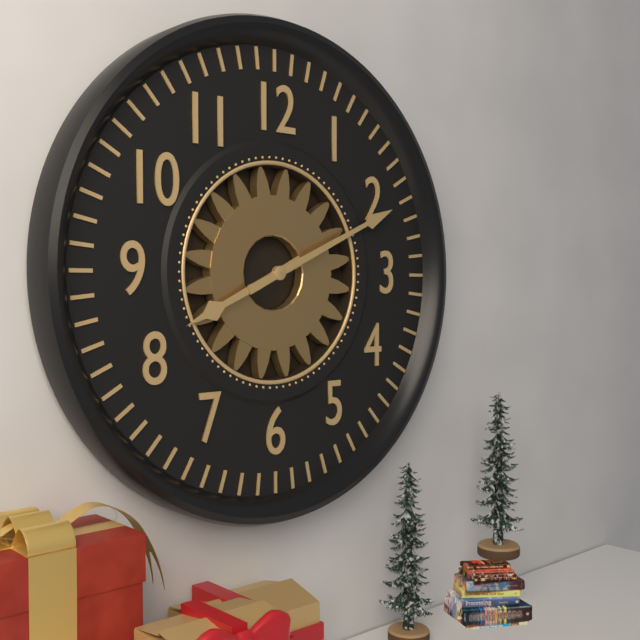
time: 8:11
